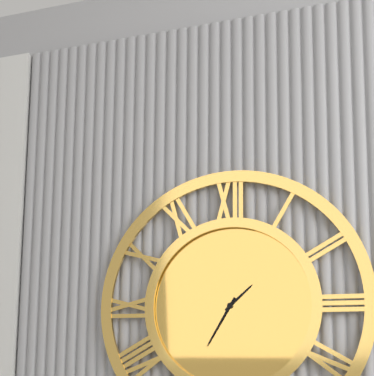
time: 1:35
